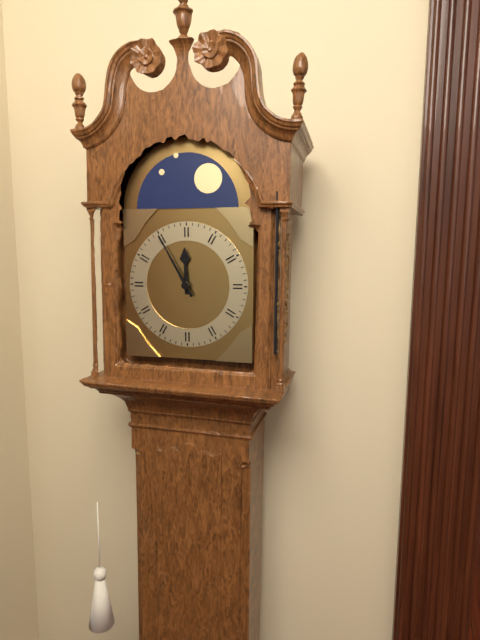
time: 11:55
